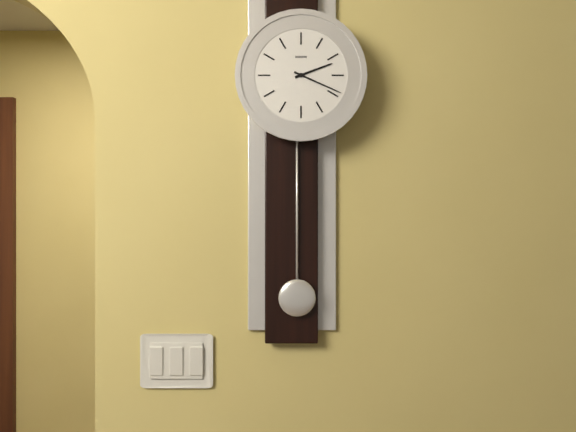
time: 2:19
